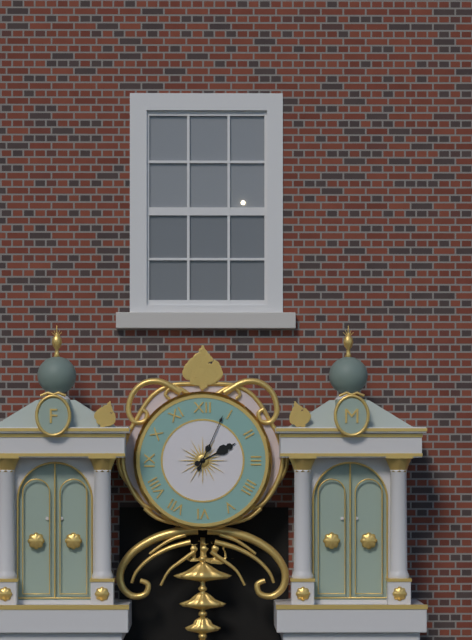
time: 2:04
